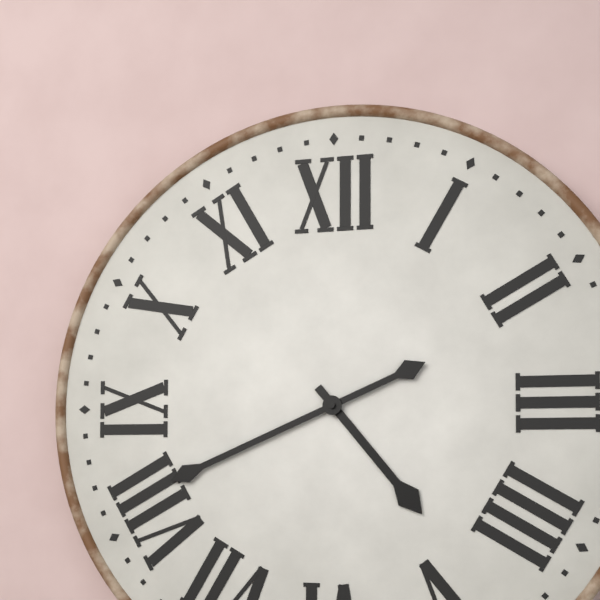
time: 4:41
